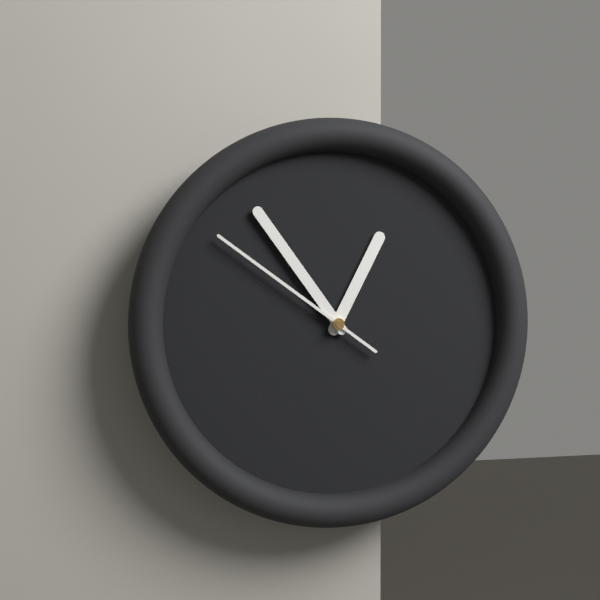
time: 12:54:51
